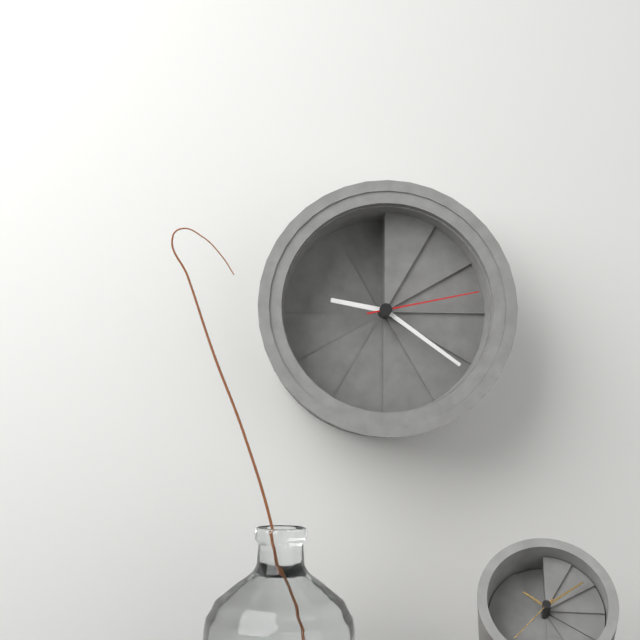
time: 9:21:13
